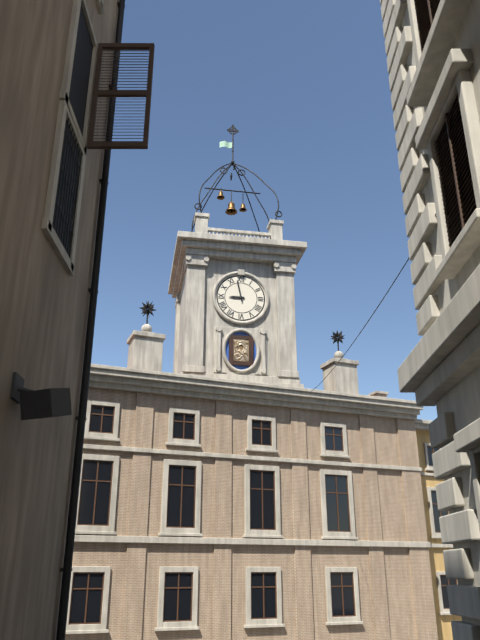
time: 8:58
